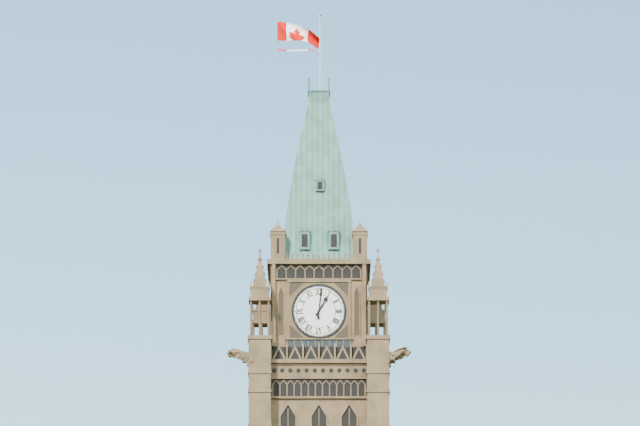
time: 1:01
